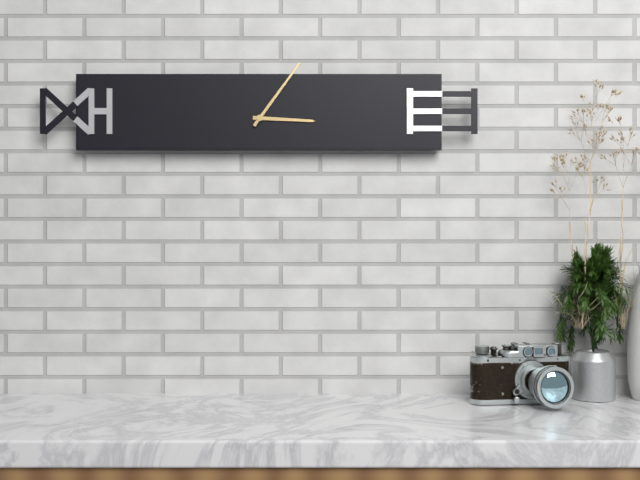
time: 3:06
